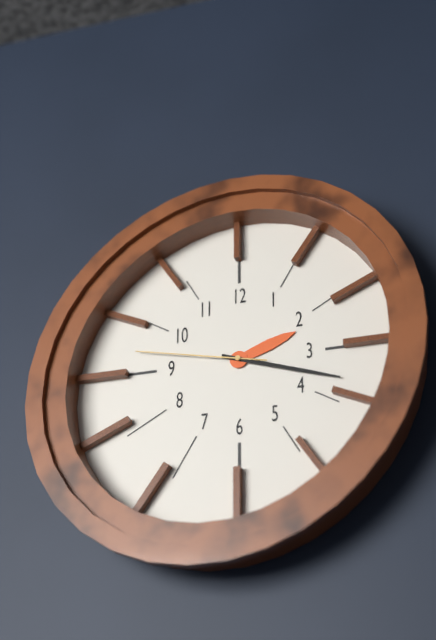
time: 2:18:47
